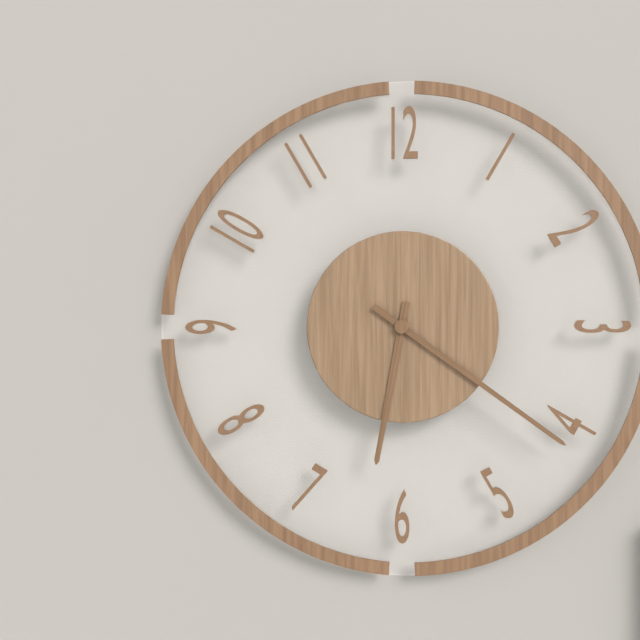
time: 6:21
